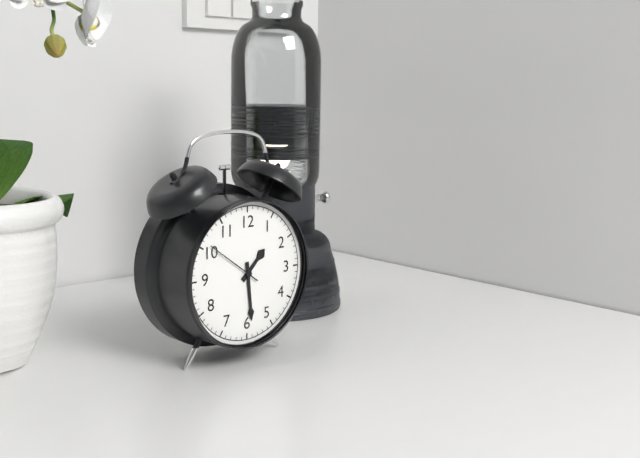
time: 1:29:51
